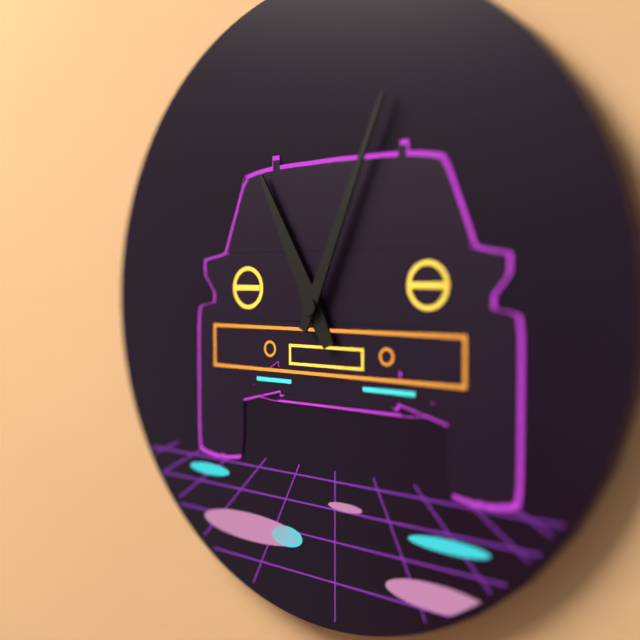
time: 11:04
